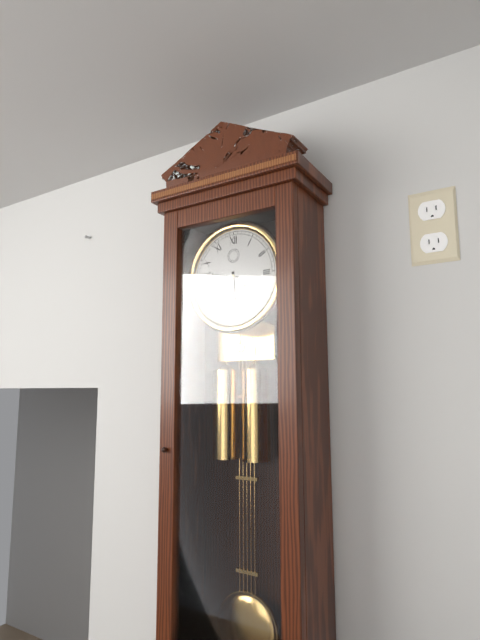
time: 5:47
